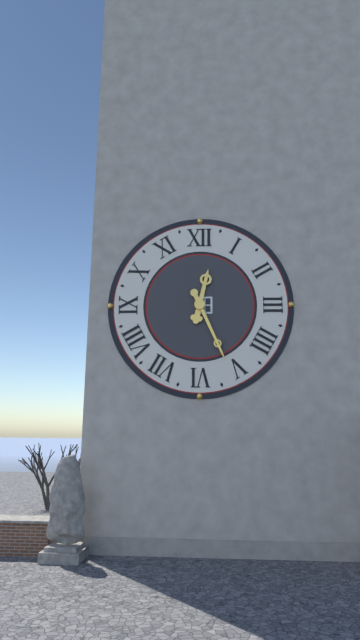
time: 12:26
